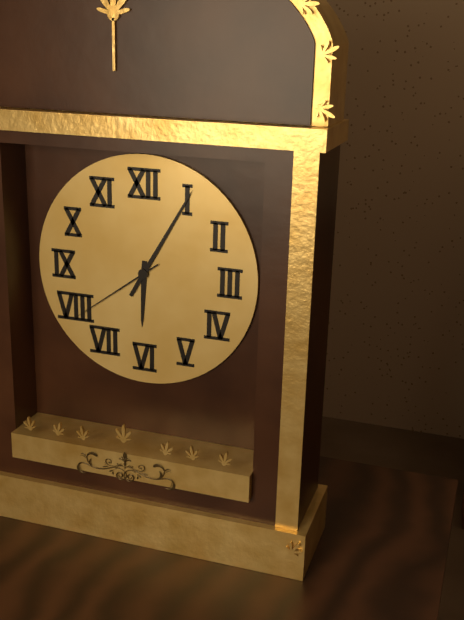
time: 6:05:39
